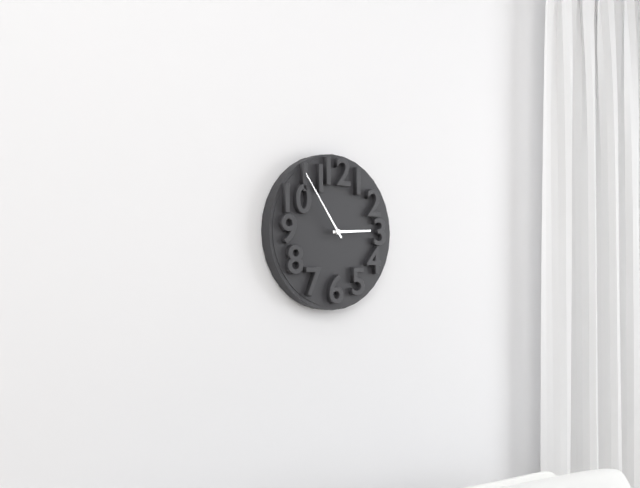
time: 2:54
